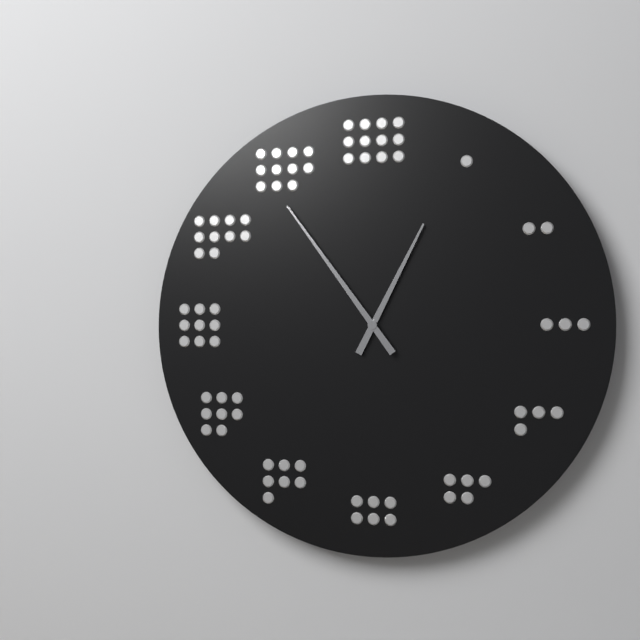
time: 12:54
